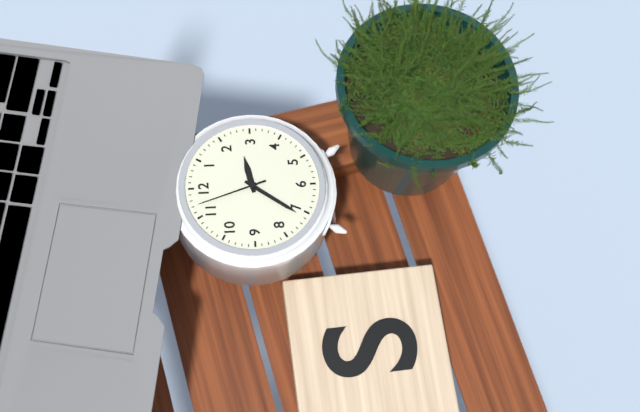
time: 2:36:57
